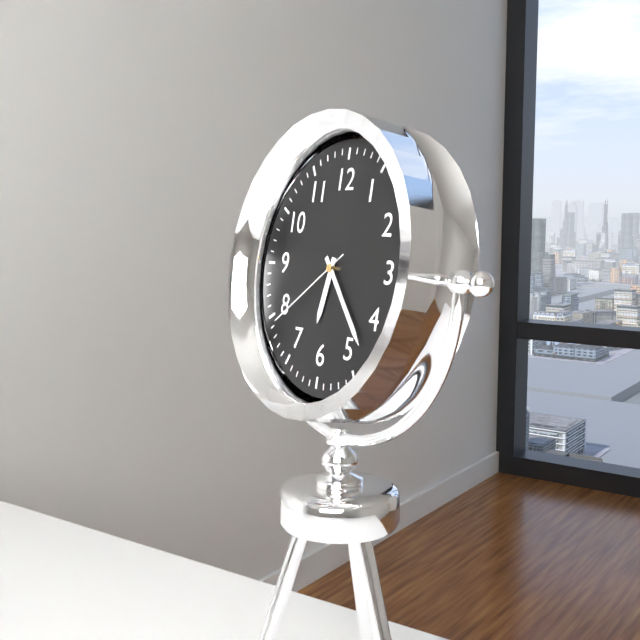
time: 6:23:39
